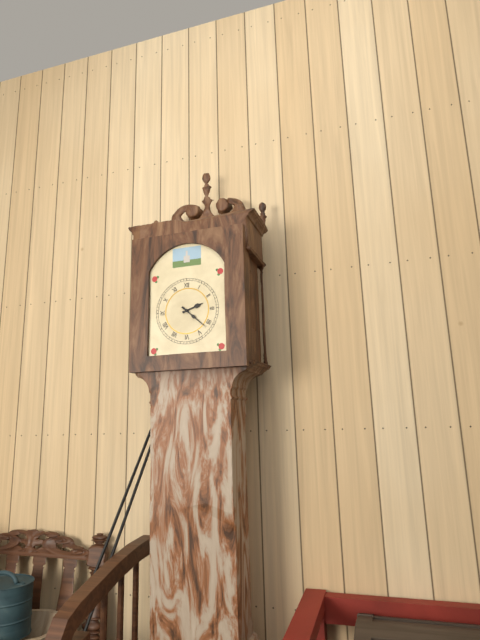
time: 2:22
